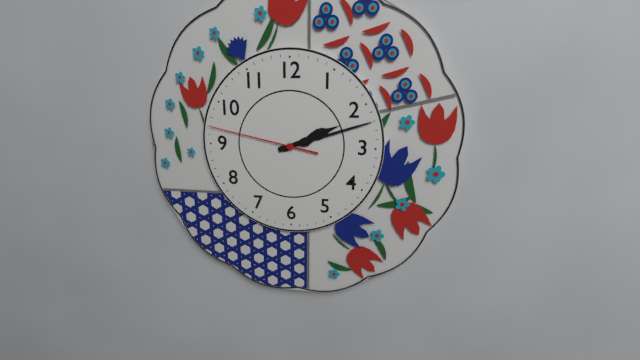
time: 2:12:47
